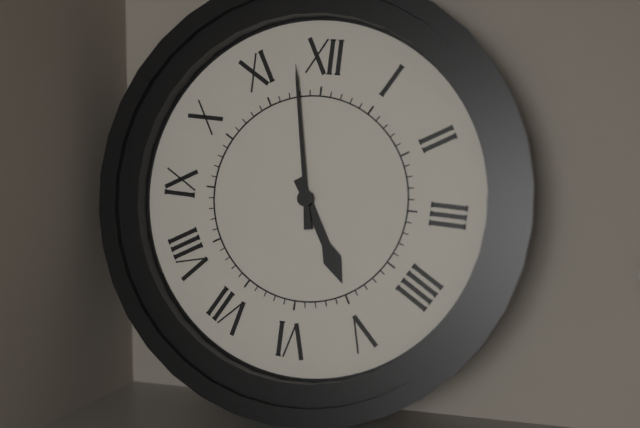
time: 4:58
